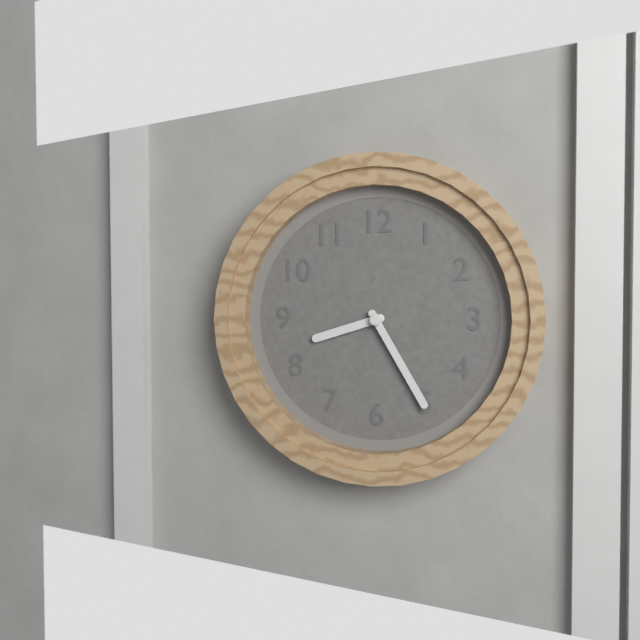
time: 8:25
